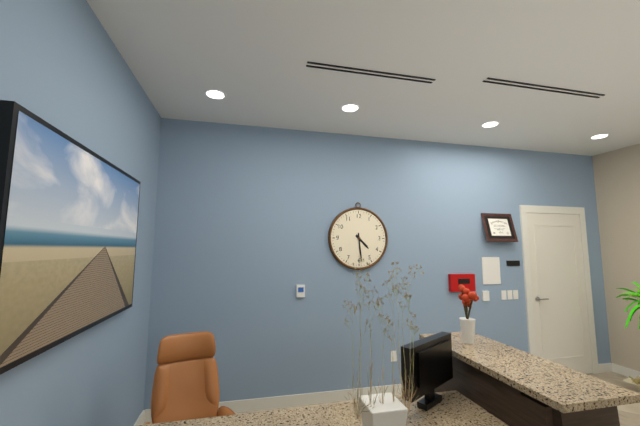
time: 4:29
